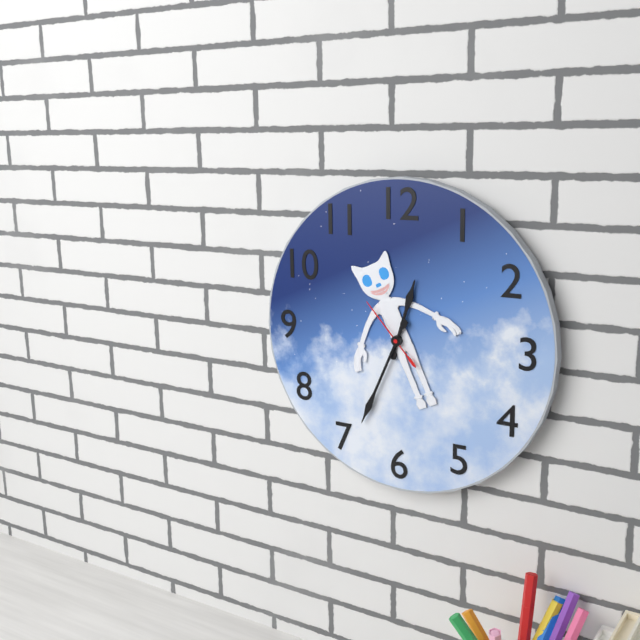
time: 12:34:53
